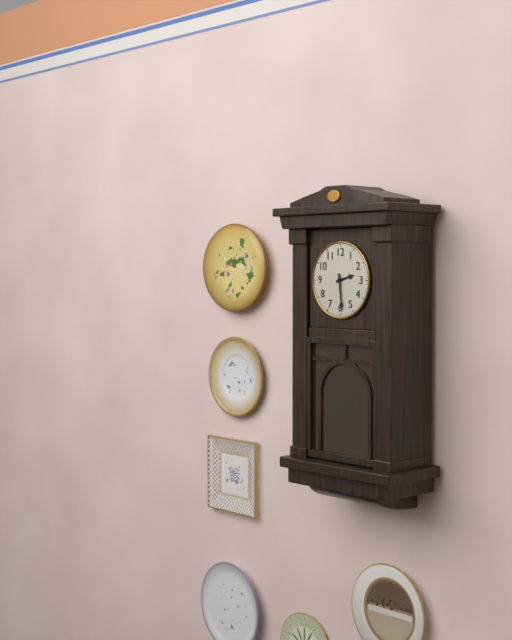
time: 2:29
